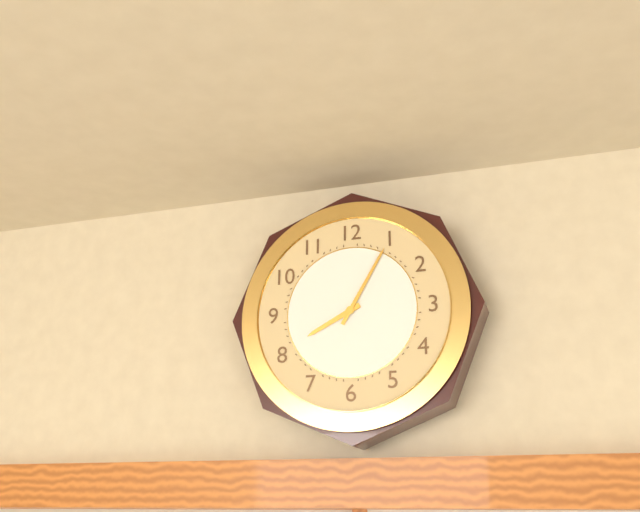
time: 8:05
